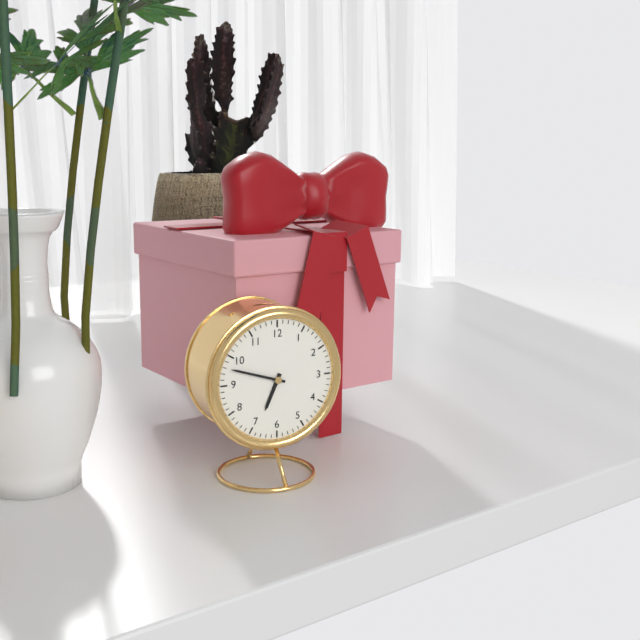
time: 6:48
